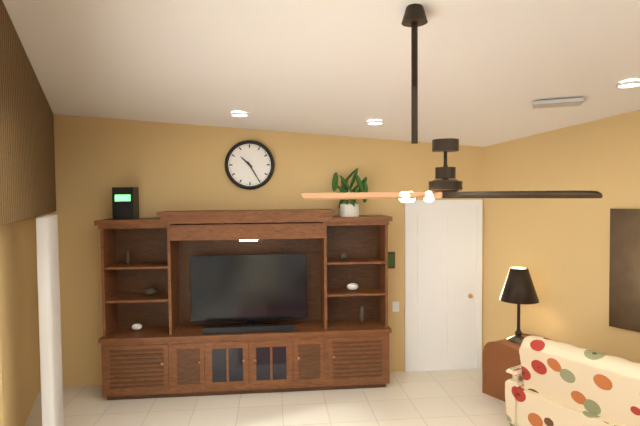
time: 10:25
